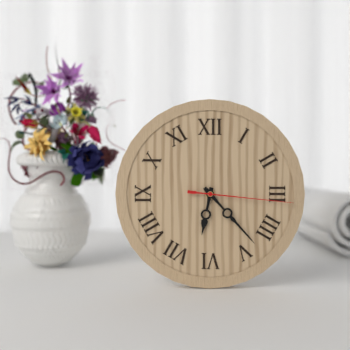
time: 6:23:16
